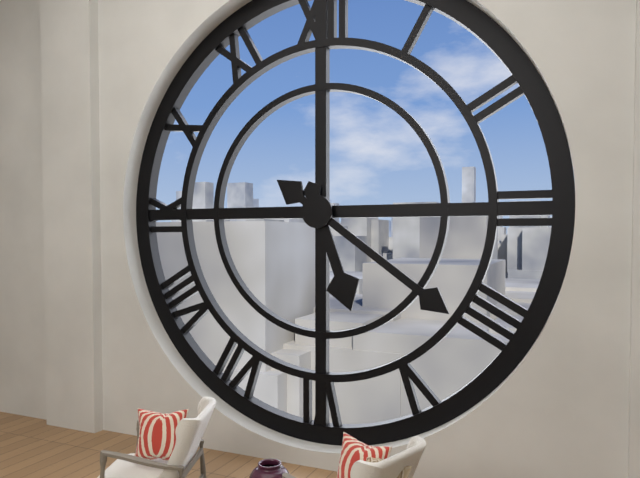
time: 5:21
